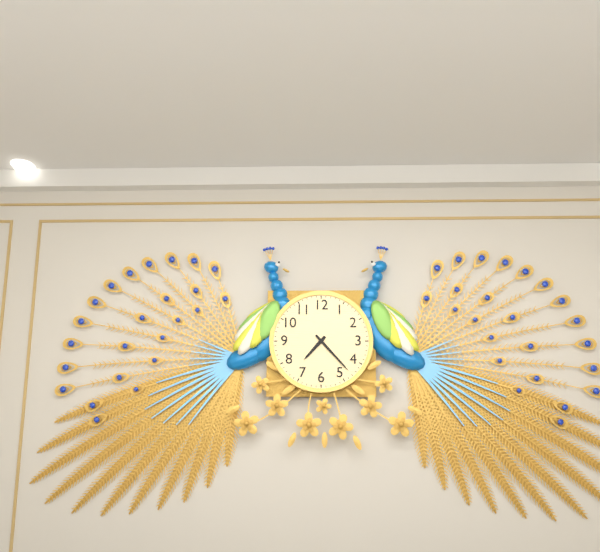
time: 7:23
